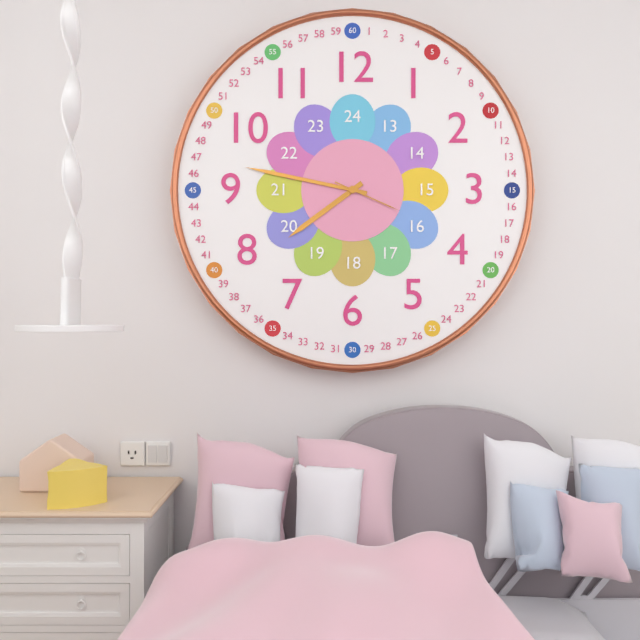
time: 7:47:19
